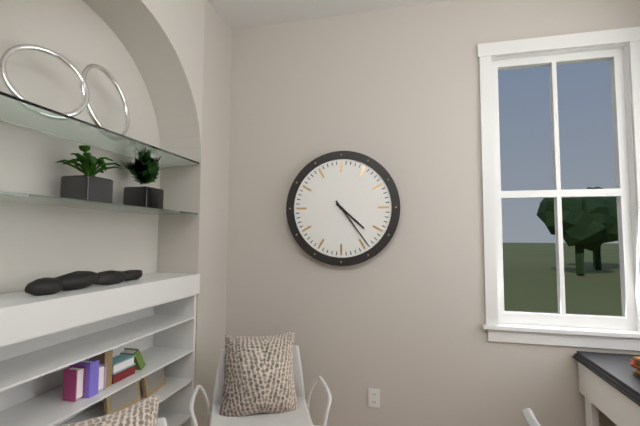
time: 4:24
